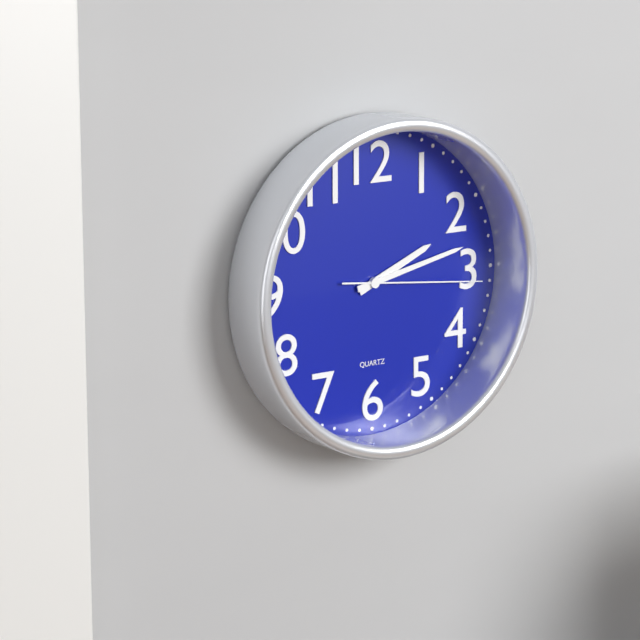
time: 2:13:16
